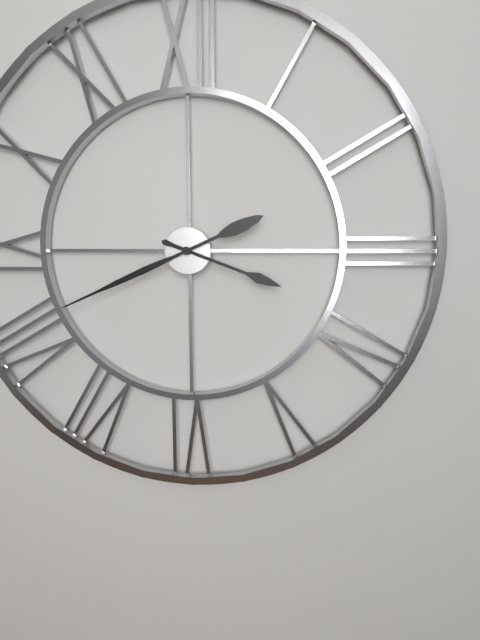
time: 3:41
